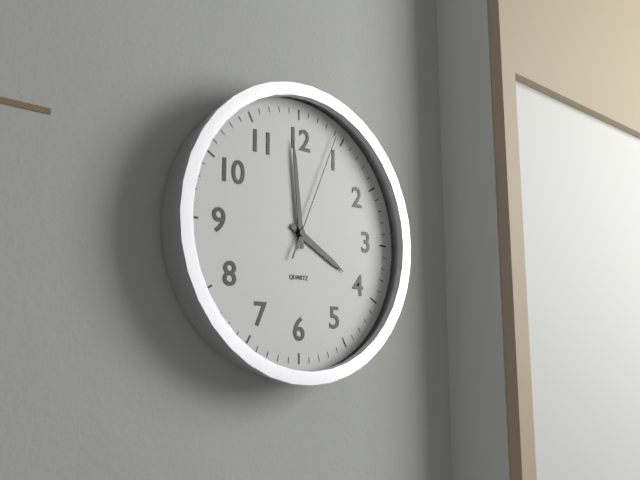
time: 3:59:04
